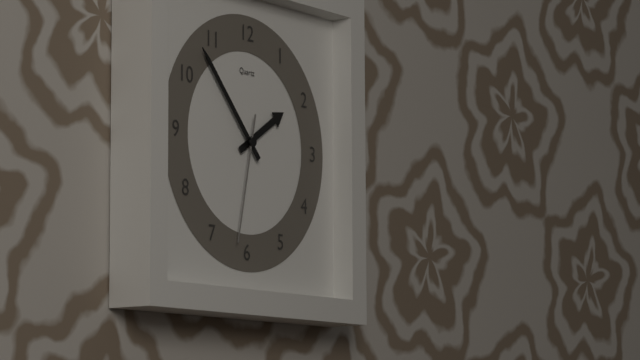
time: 1:53:32
